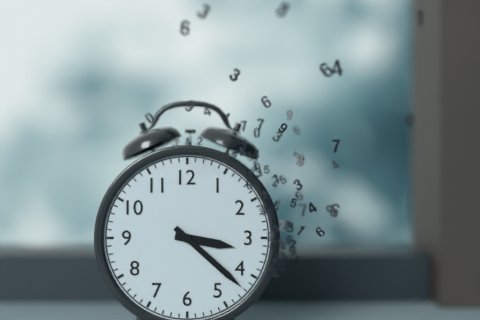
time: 3:22
